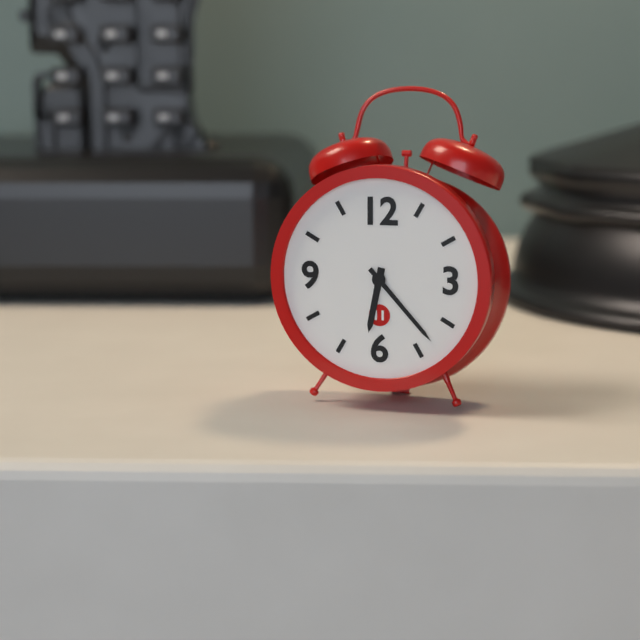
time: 6:23
